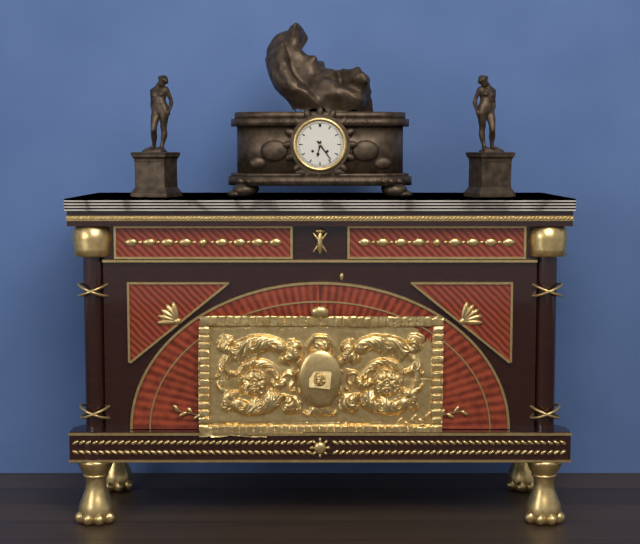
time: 6:24
